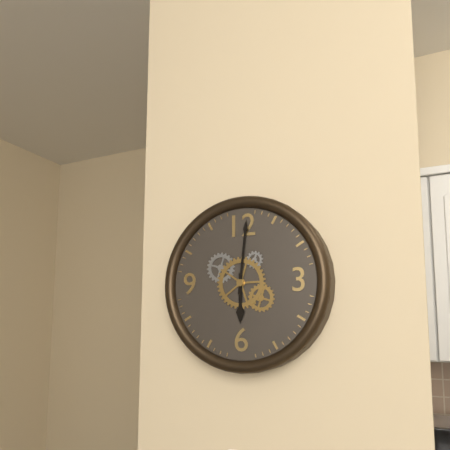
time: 6:01
